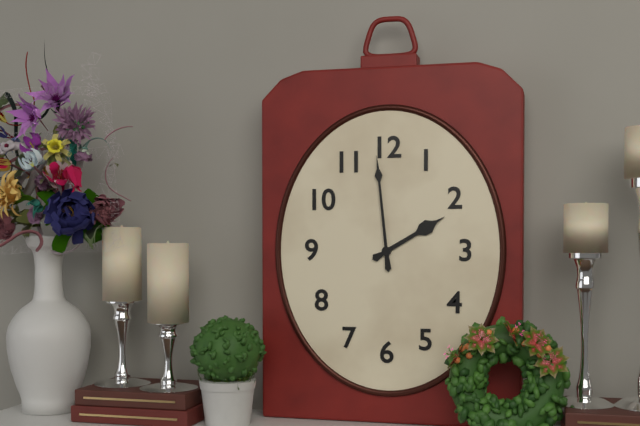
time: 1:59
